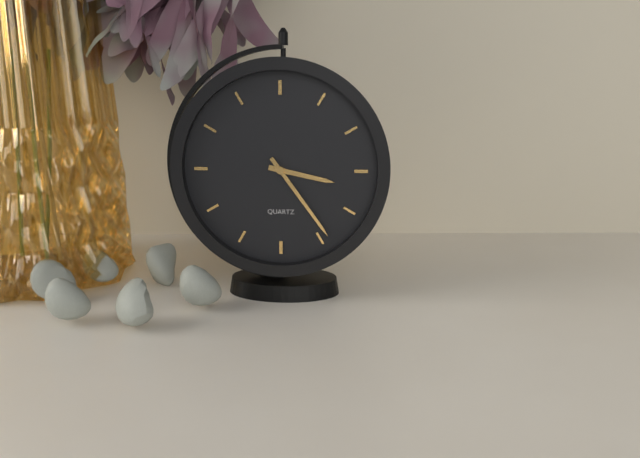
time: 3:24
